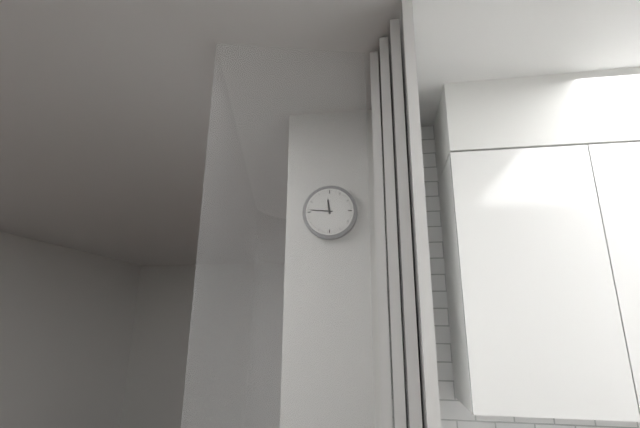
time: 11:46
